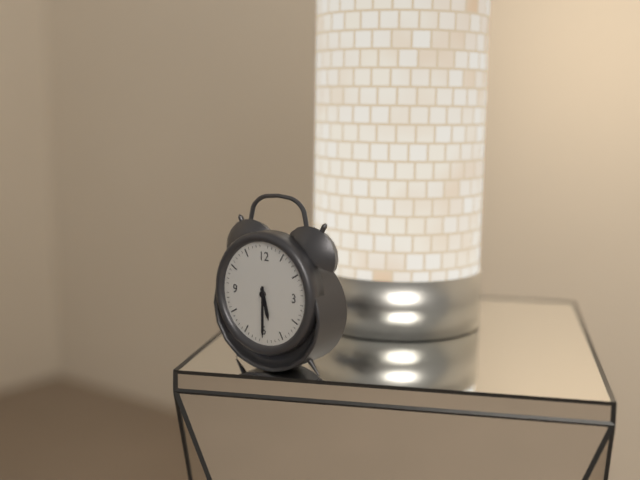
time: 5:30
